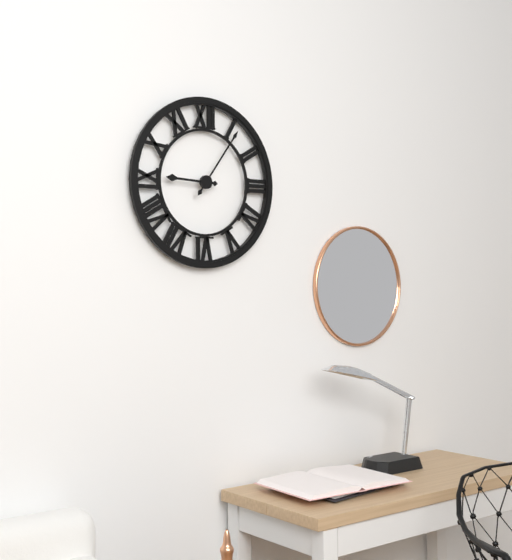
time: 9:06
